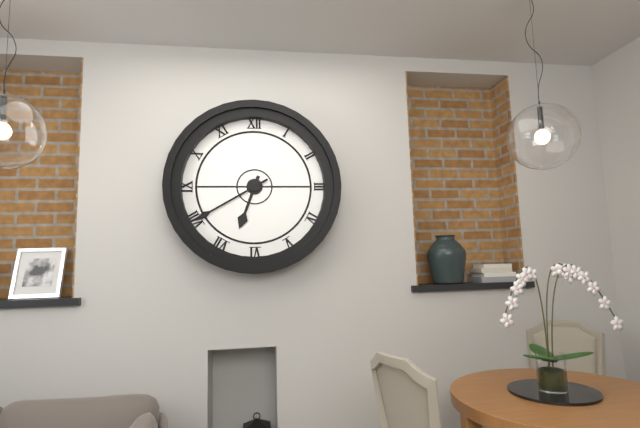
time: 6:40
